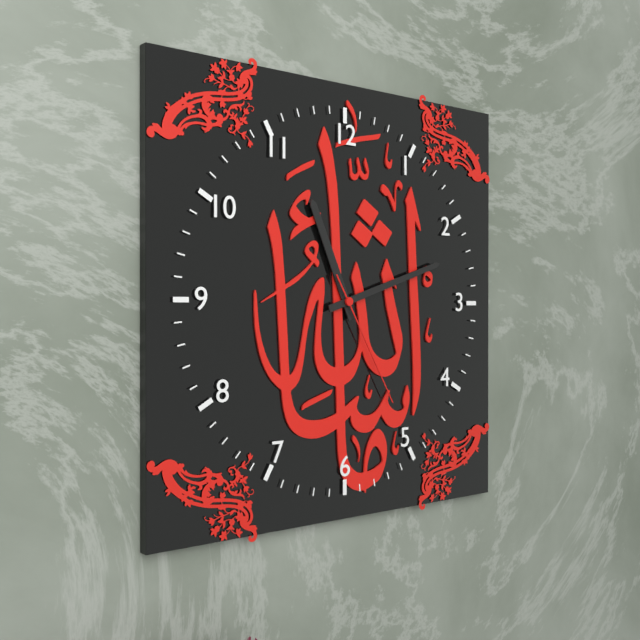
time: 11:12:25
